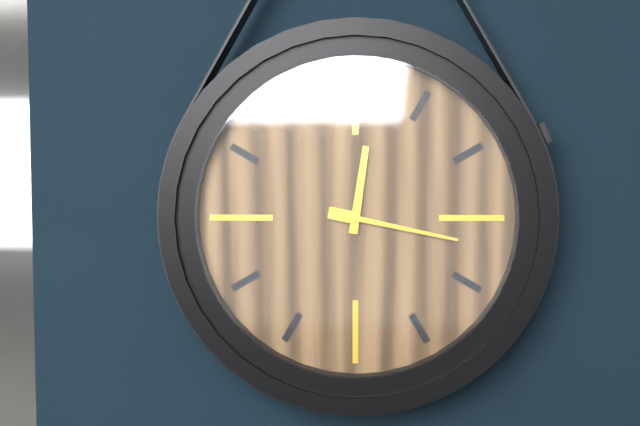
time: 12:17
